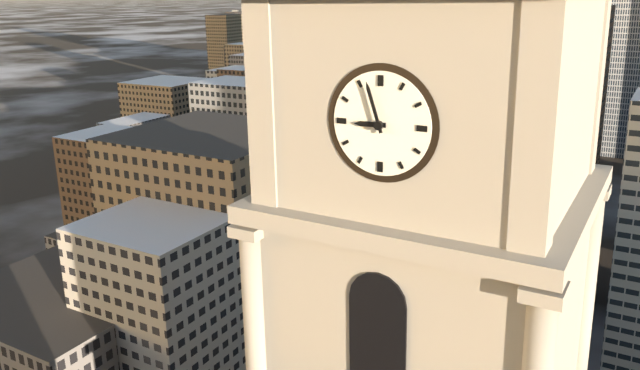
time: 8:57
